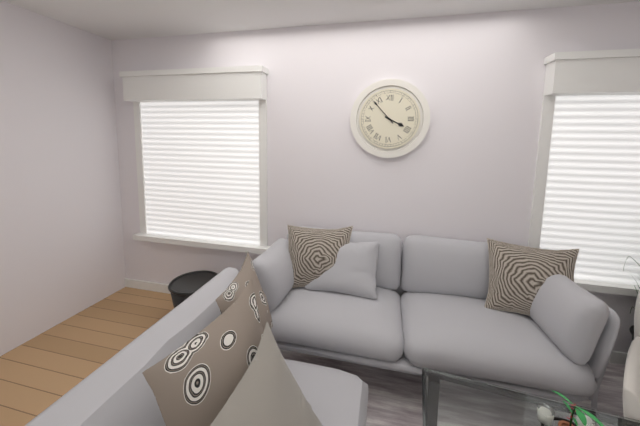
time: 3:53
